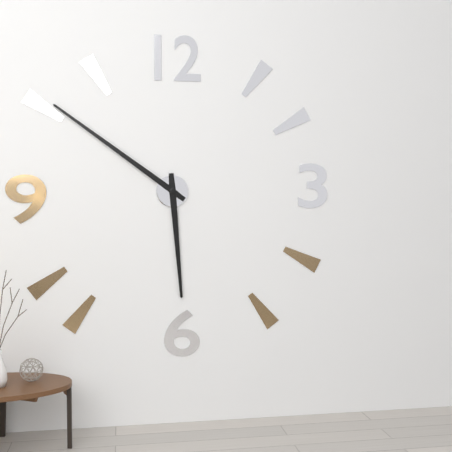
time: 5:51
